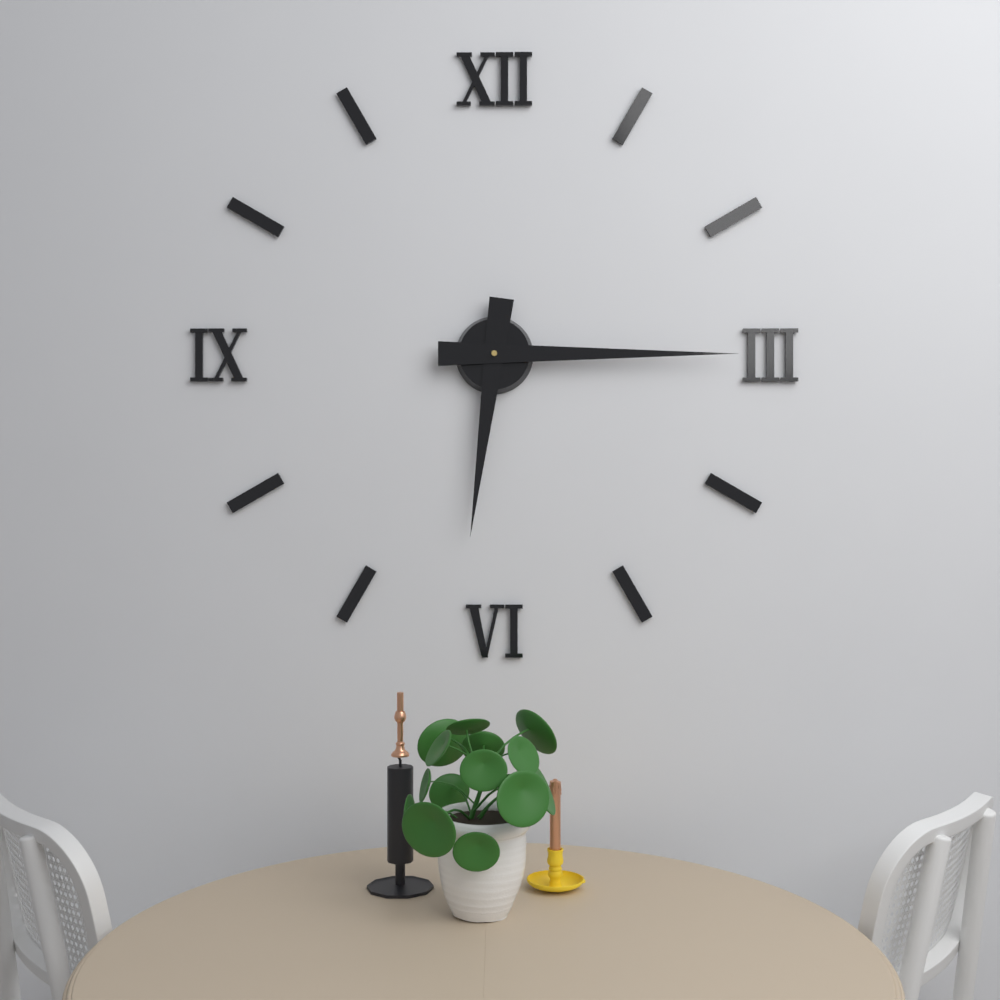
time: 6:15
